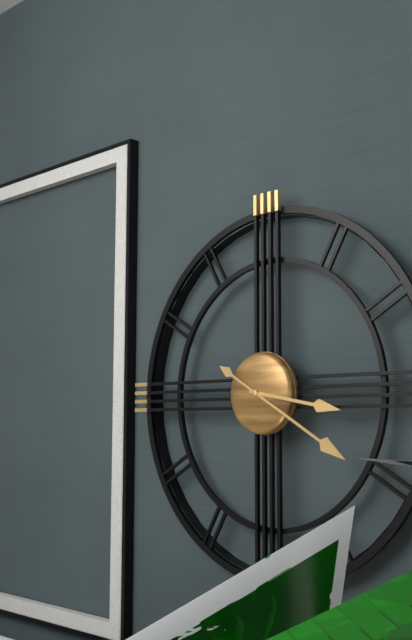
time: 3:20
